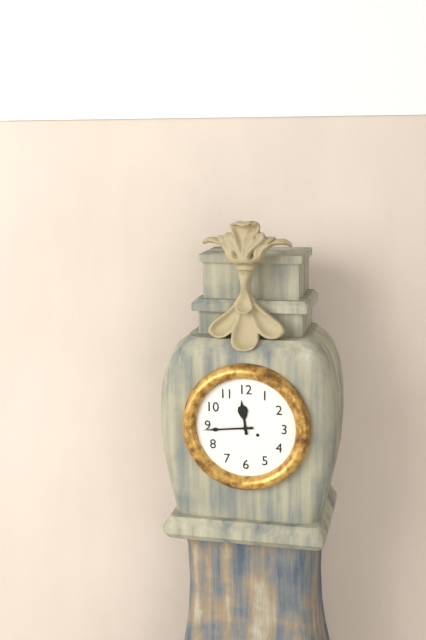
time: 11:44
